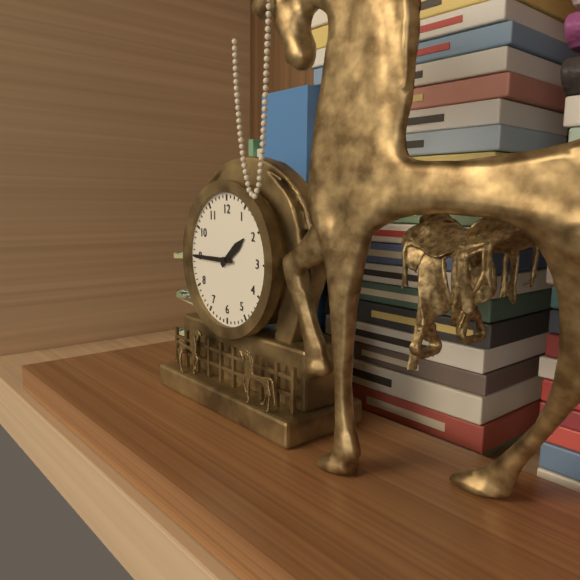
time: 1:45
